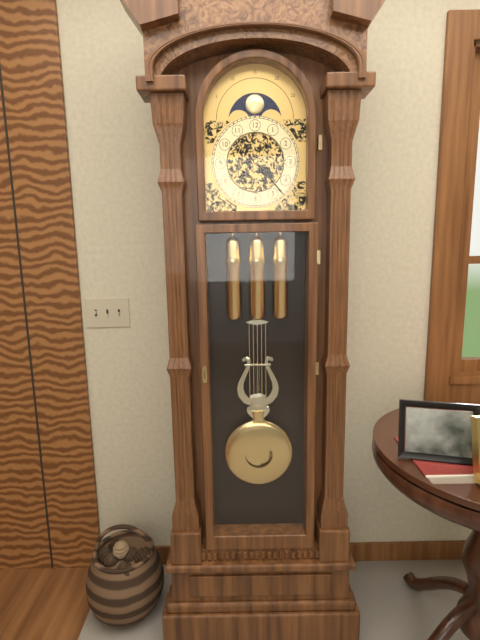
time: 4:23
